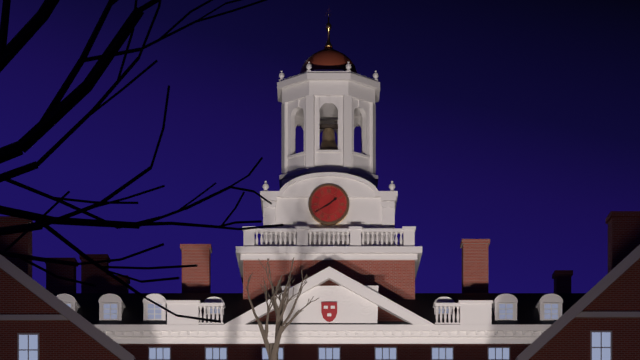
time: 1:40
